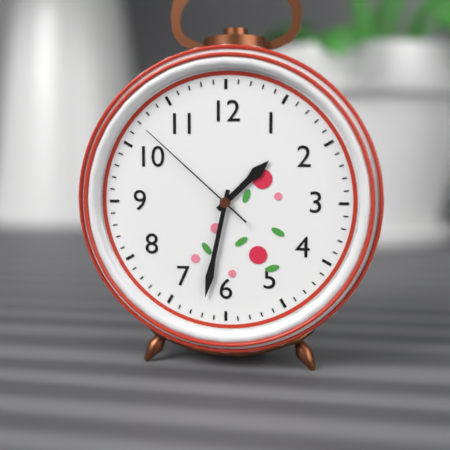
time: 1:32:52
